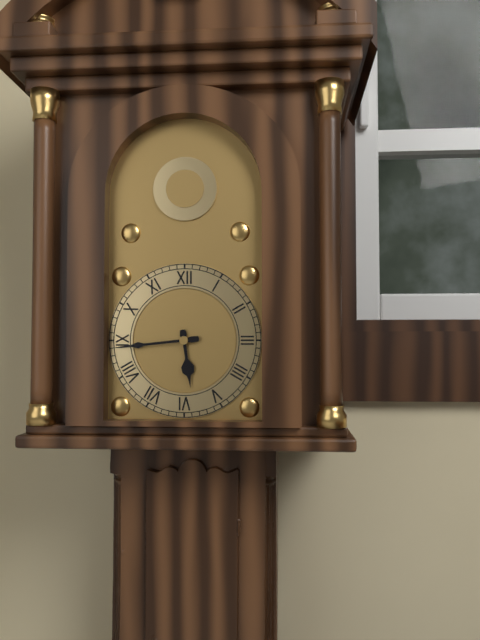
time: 5:44
